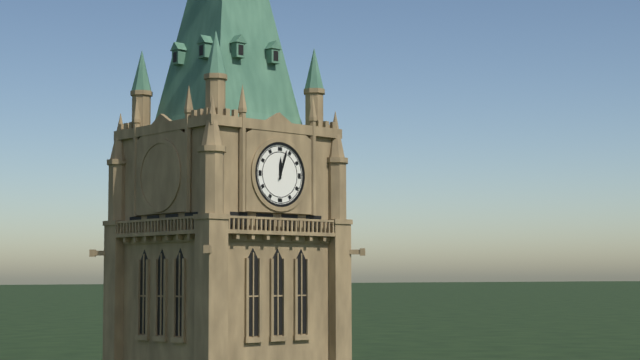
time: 12:03
